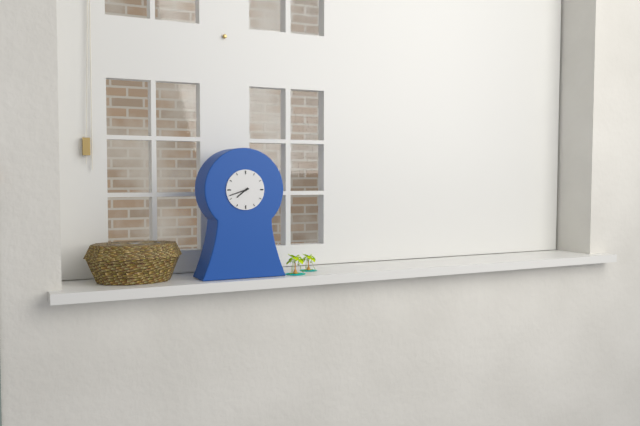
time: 7:42
